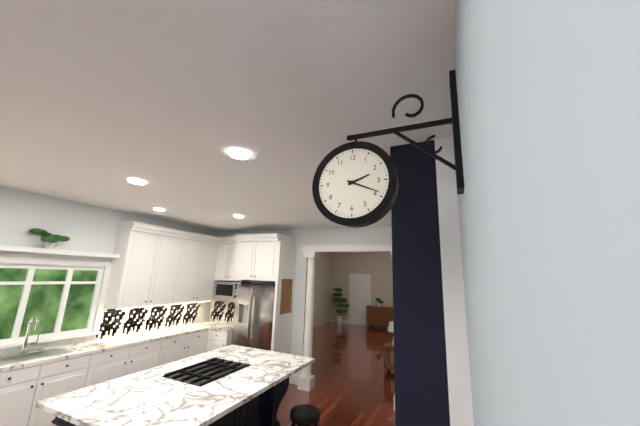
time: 2:19
